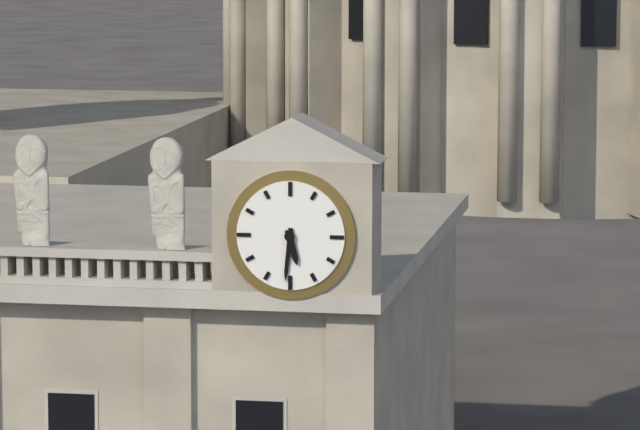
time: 5:31
